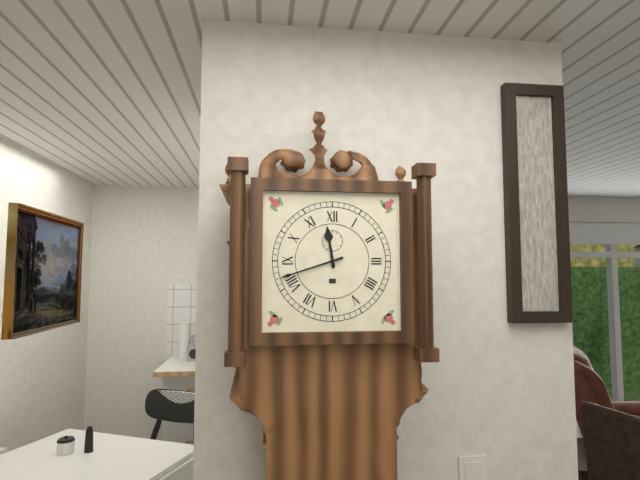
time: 11:42
